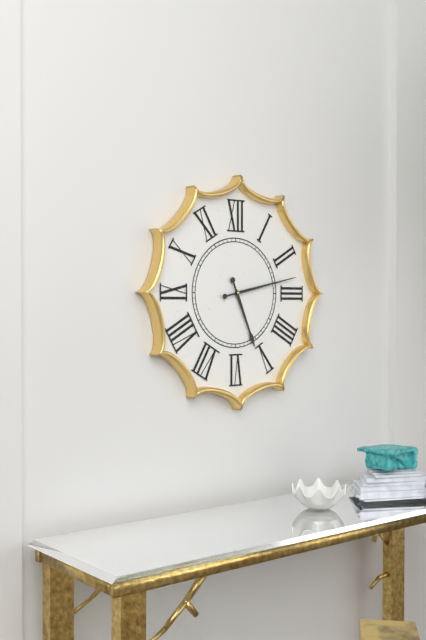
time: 5:13
